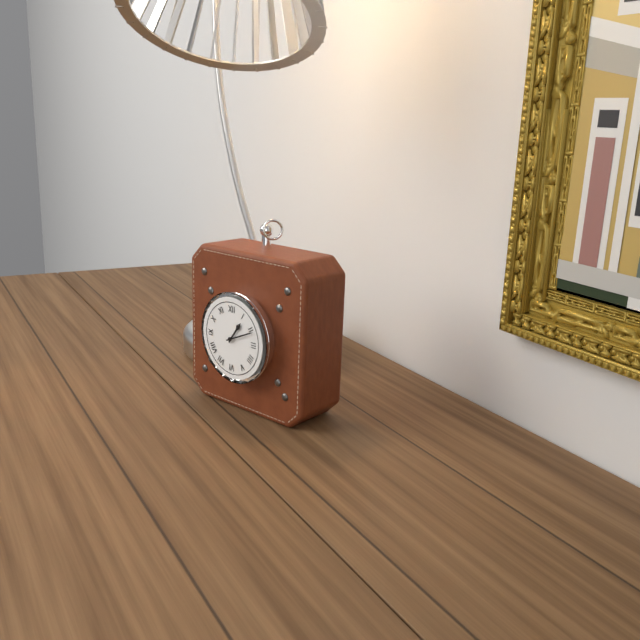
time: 1:11
